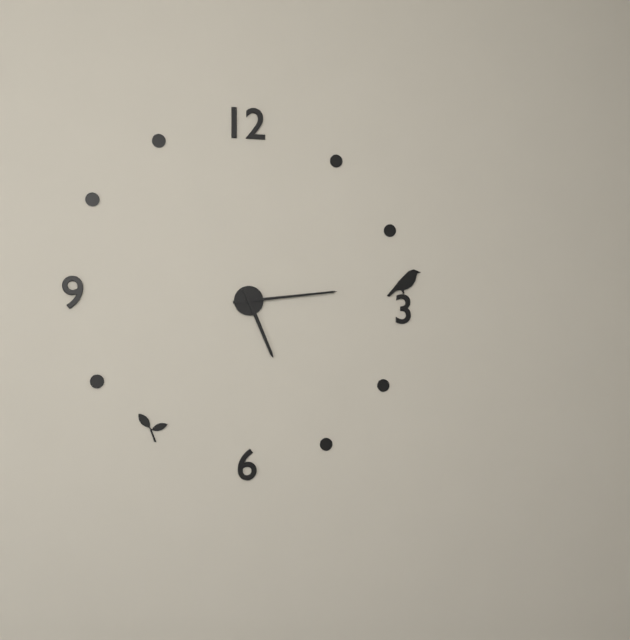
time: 5:14
